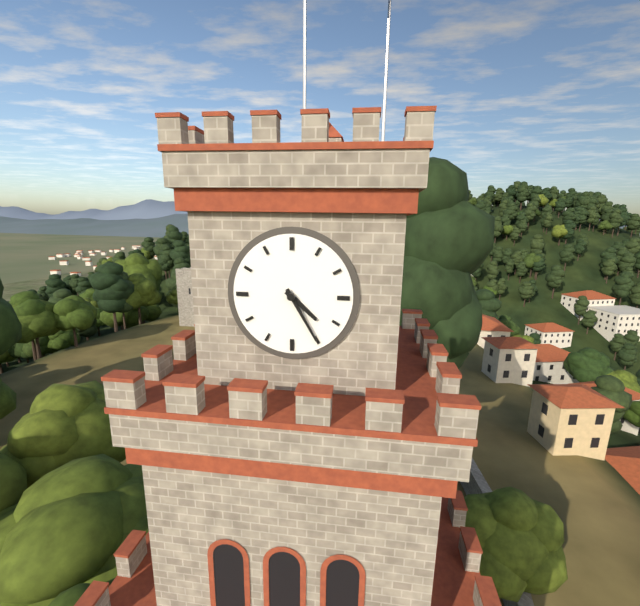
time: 4:25
